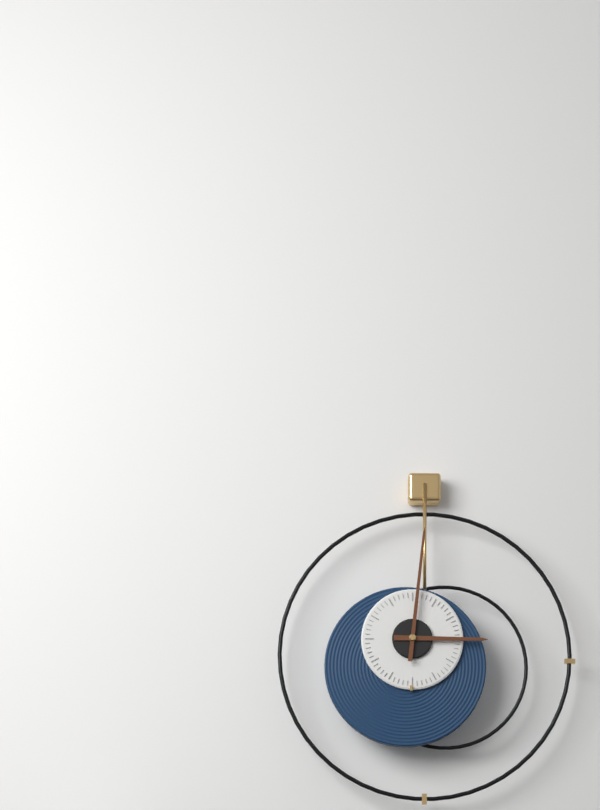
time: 3:01
